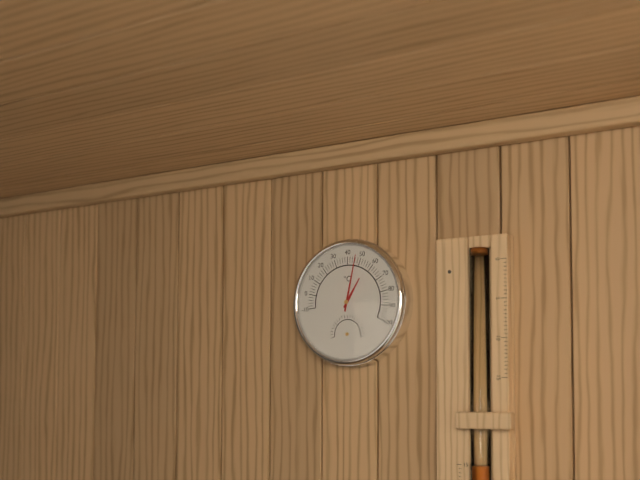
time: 1:02
